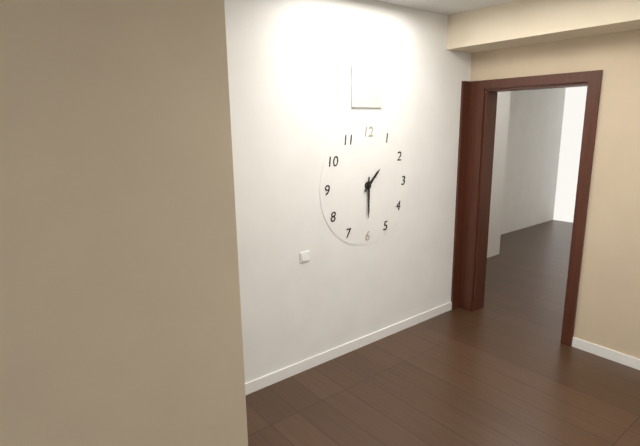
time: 1:30
